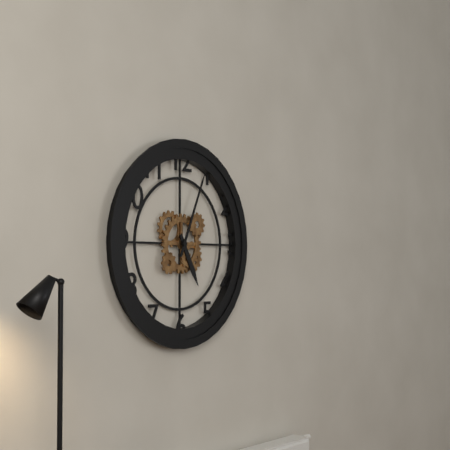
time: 5:04
